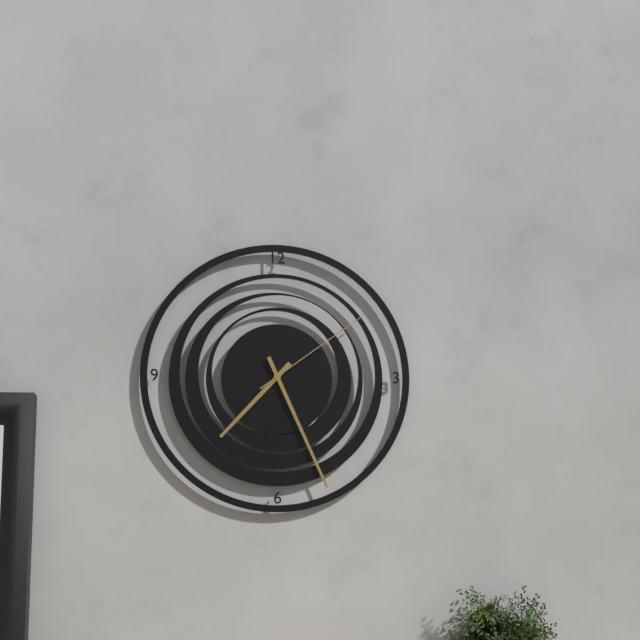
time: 7:26:09
